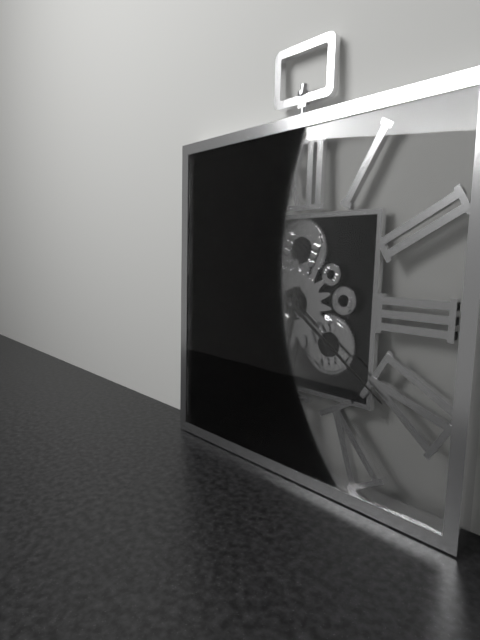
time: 6:21
